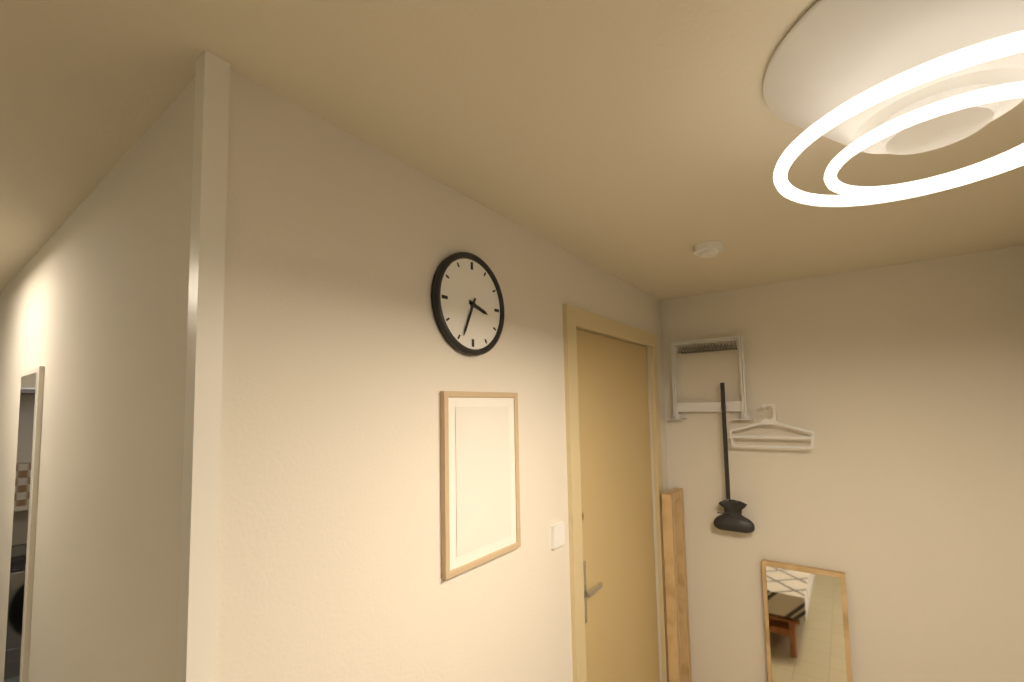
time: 3:34
